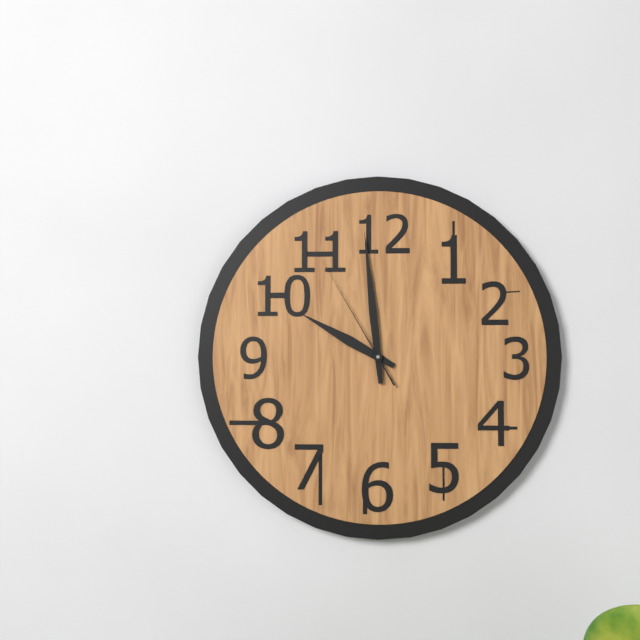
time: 9:59:55
